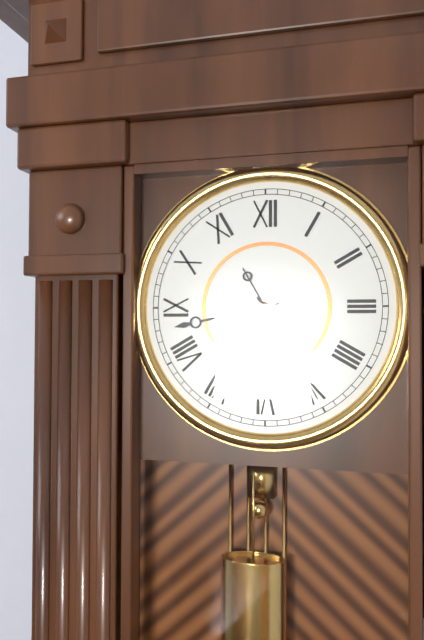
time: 4:43:25
